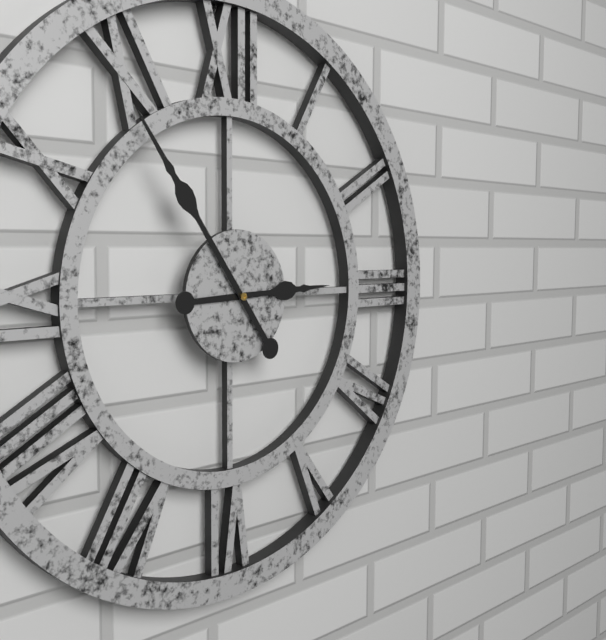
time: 2:54
